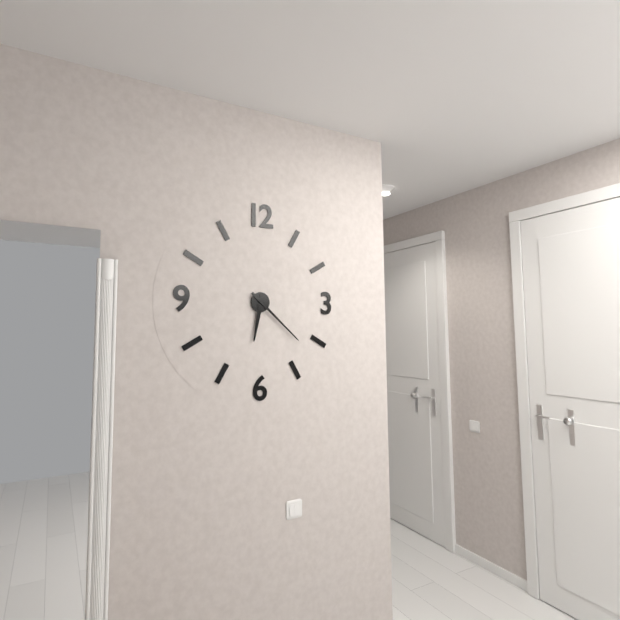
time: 6:22
